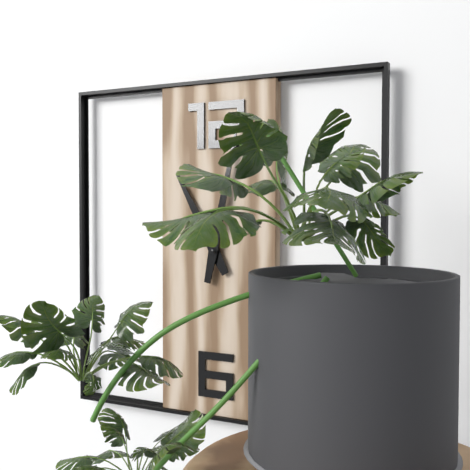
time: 11:02
